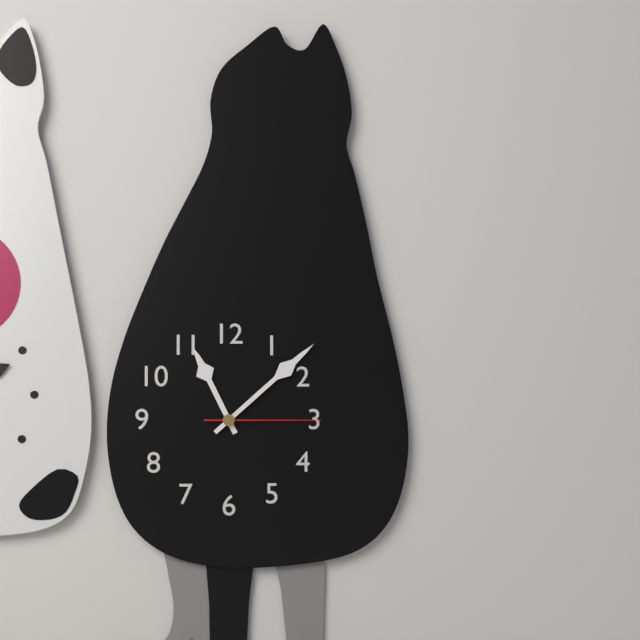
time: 11:08:15
